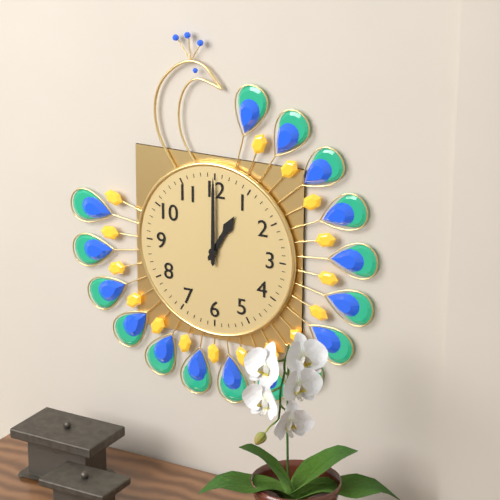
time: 1:00
